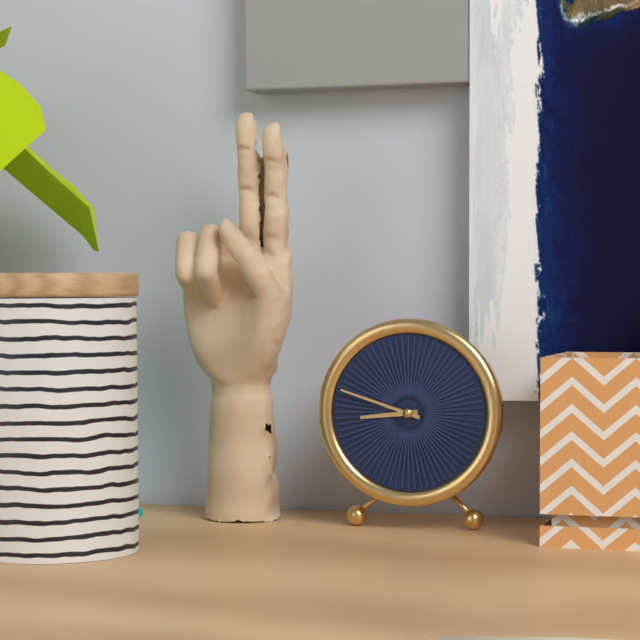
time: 8:48
